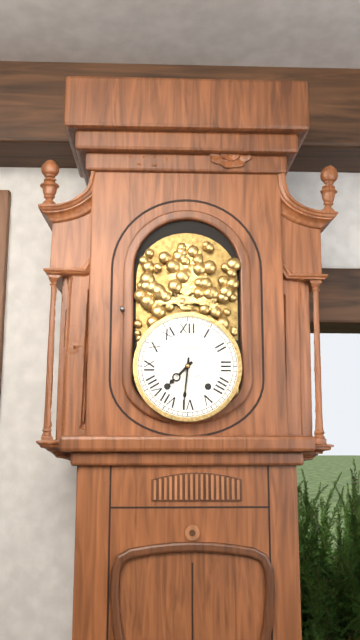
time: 7:31
